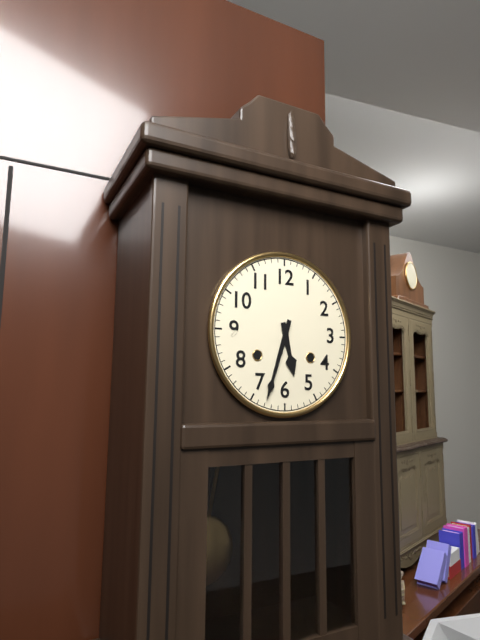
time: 5:33
